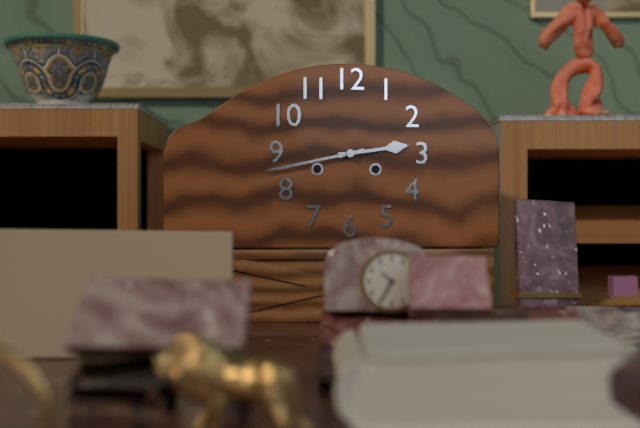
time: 2:43
